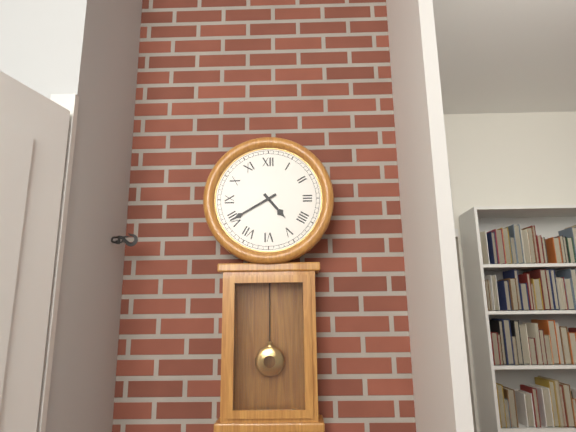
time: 4:40
